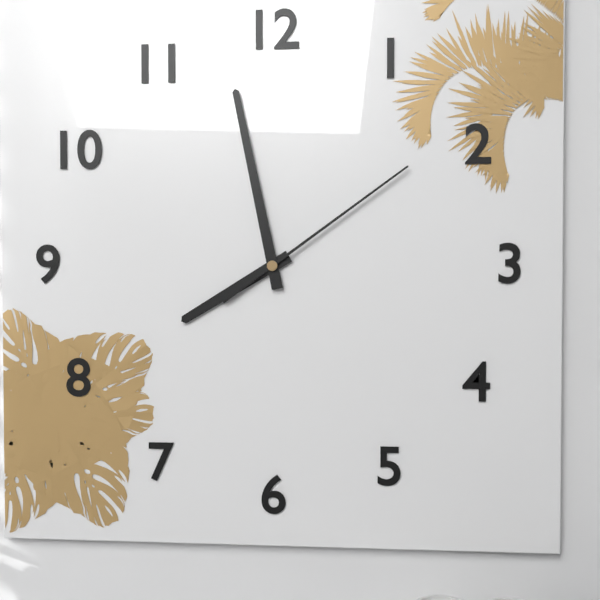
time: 7:58:09
